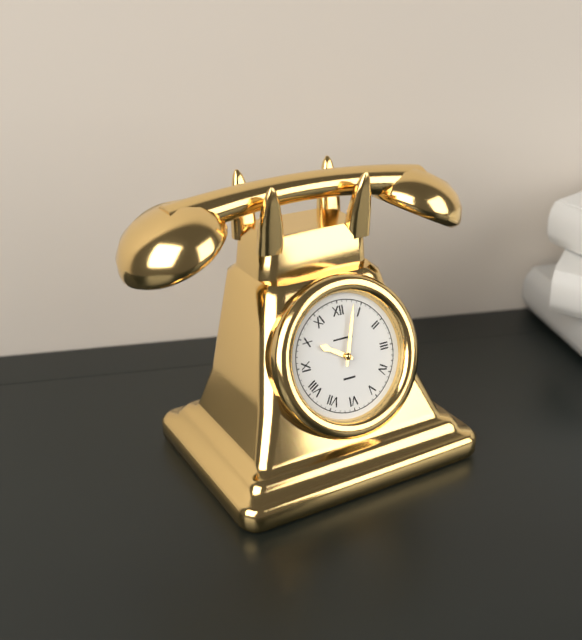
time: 10:03
